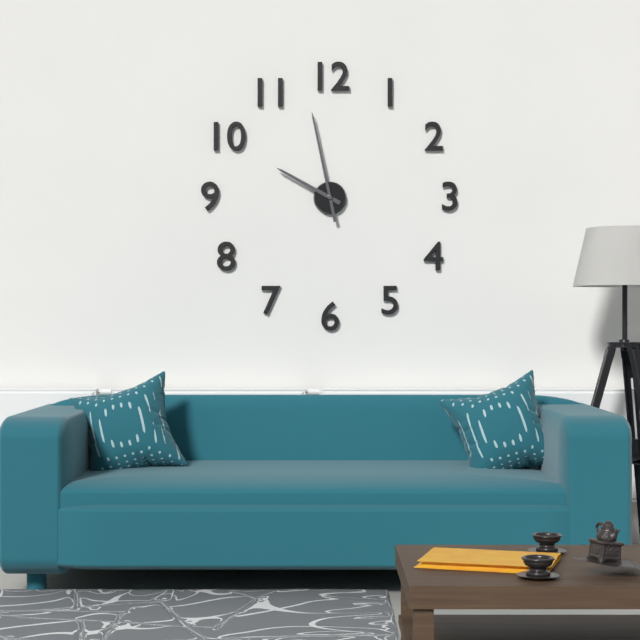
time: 9:58
